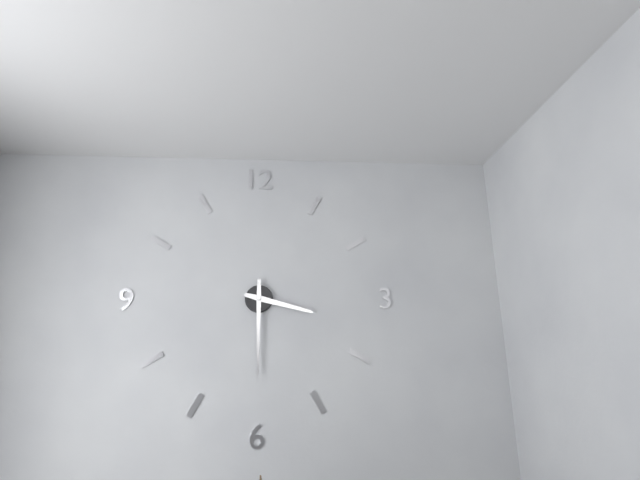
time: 3:30
